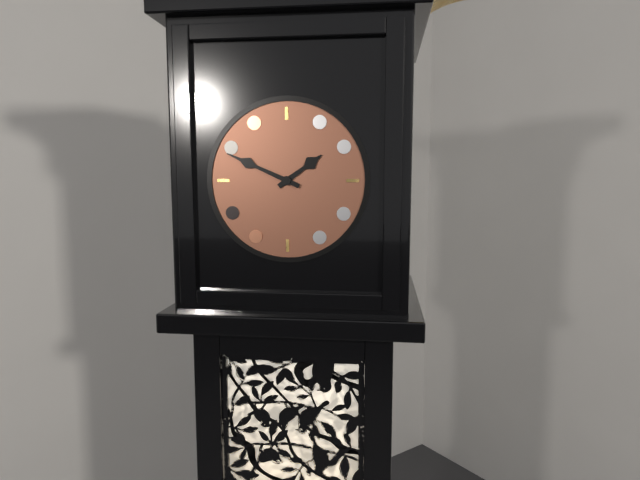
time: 1:49
